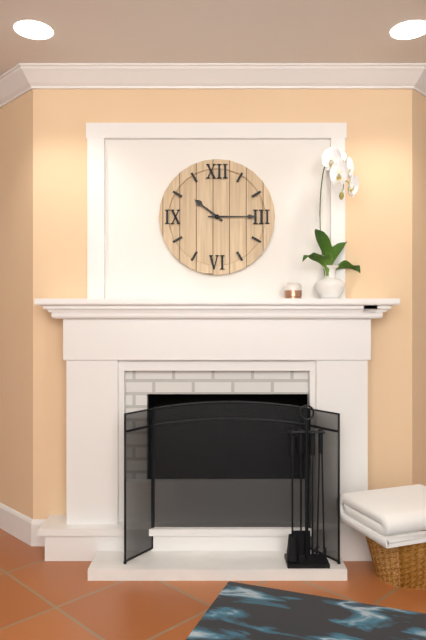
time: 10:15
